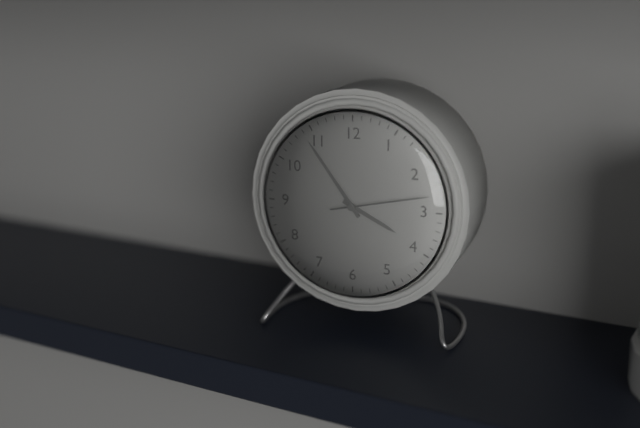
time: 3:54:13
